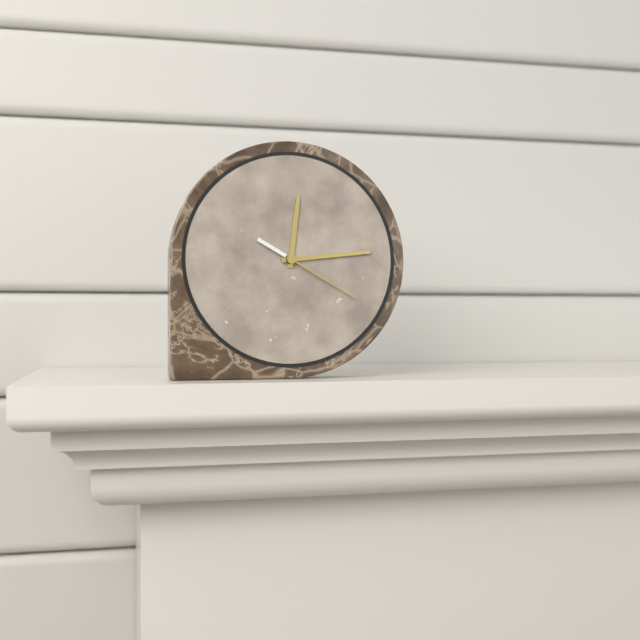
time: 12:14:20
